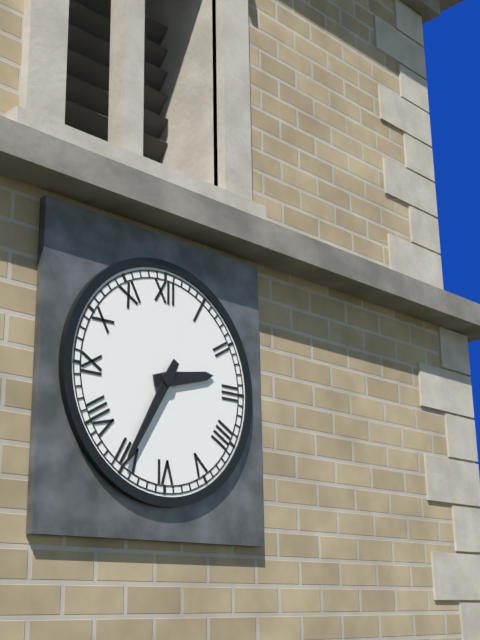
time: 2:35
